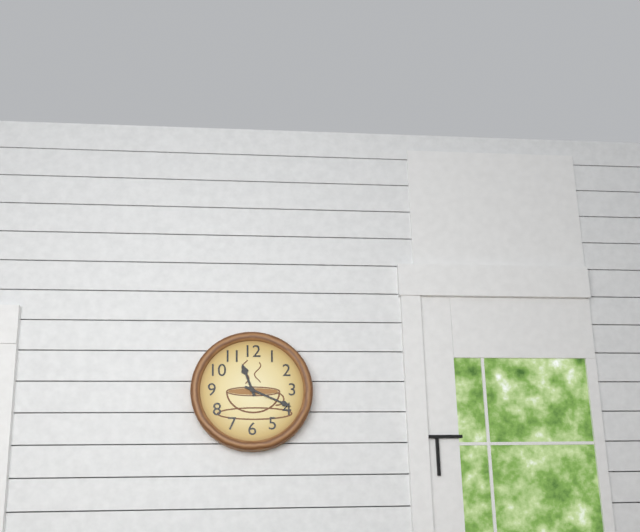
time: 11:19
